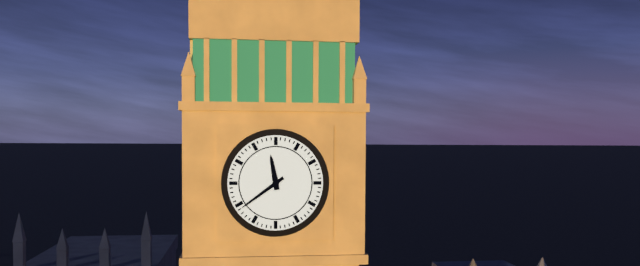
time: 11:39
